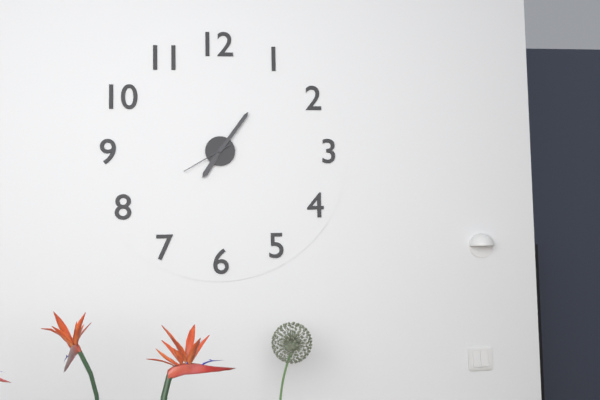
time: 7:06:40
